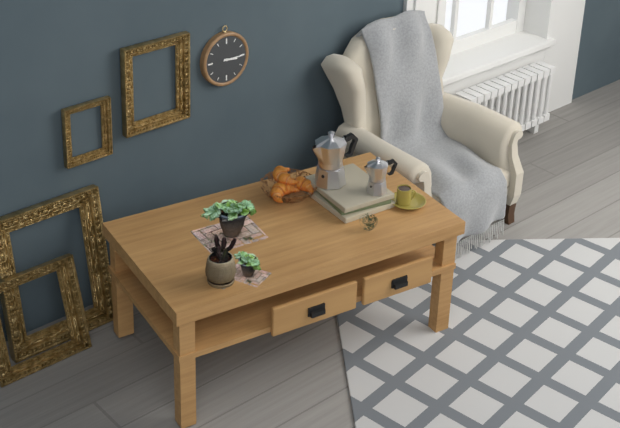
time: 3:15
